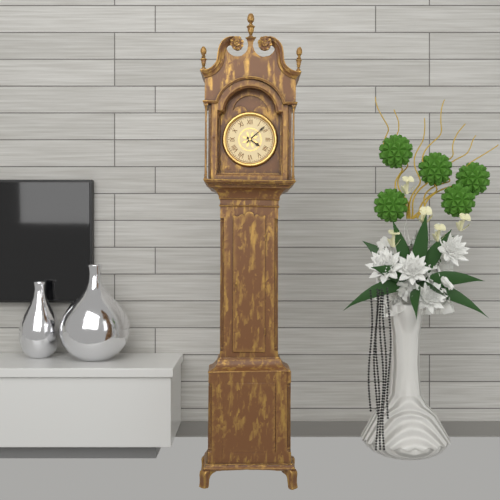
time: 4:08
